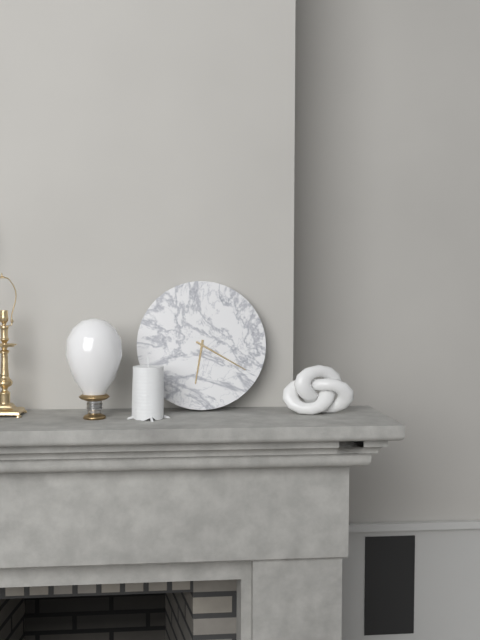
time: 6:20
